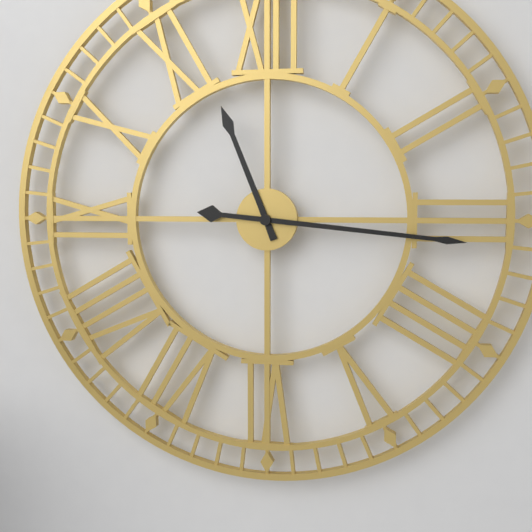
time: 11:16
